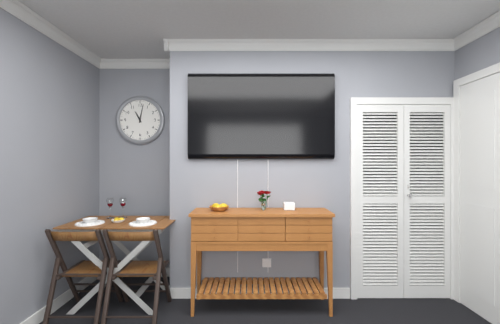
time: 11:02
